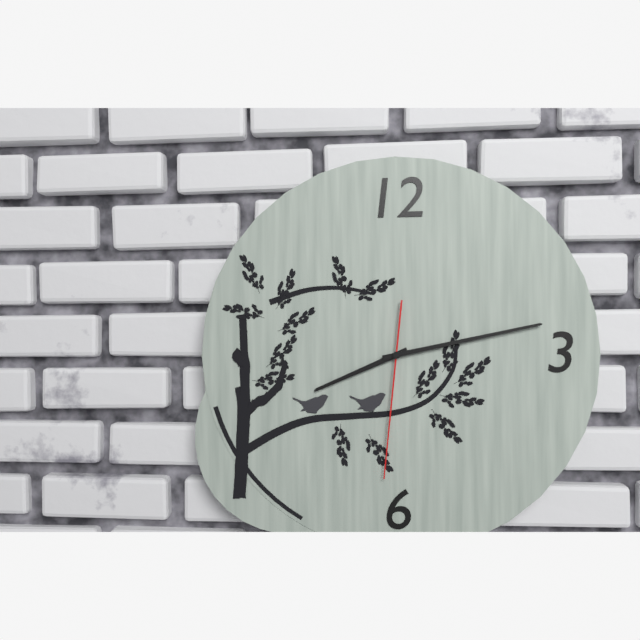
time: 8:13:31
